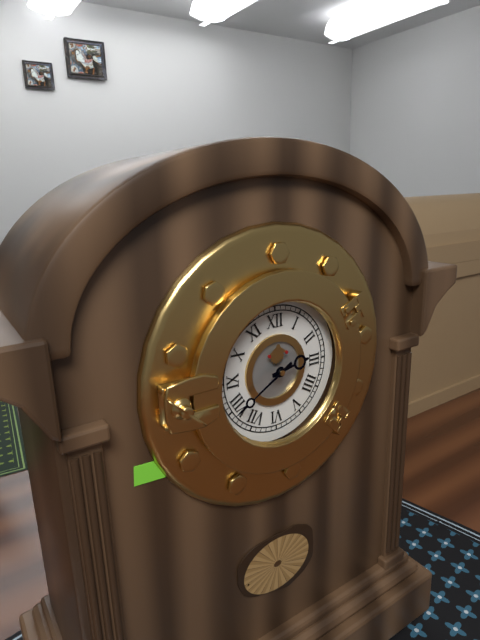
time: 2:40
